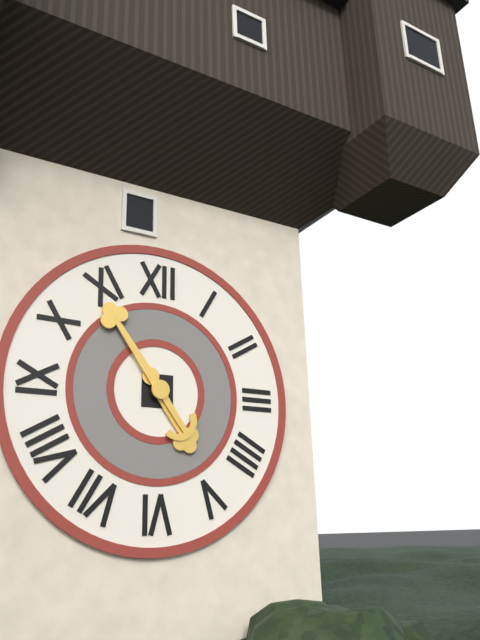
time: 4:54
